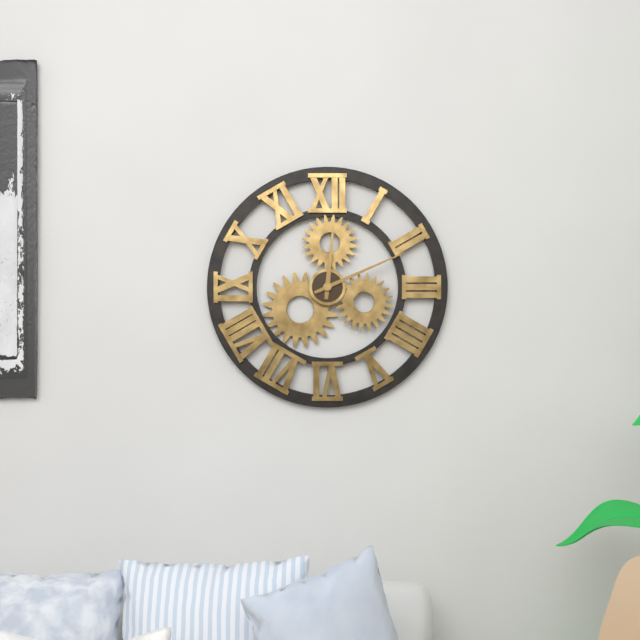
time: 12:11
